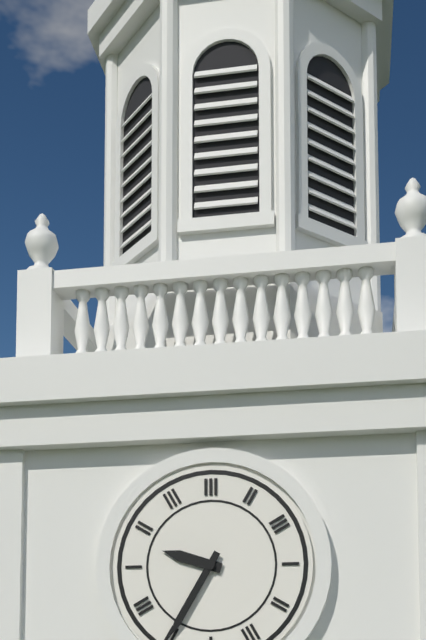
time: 9:35
